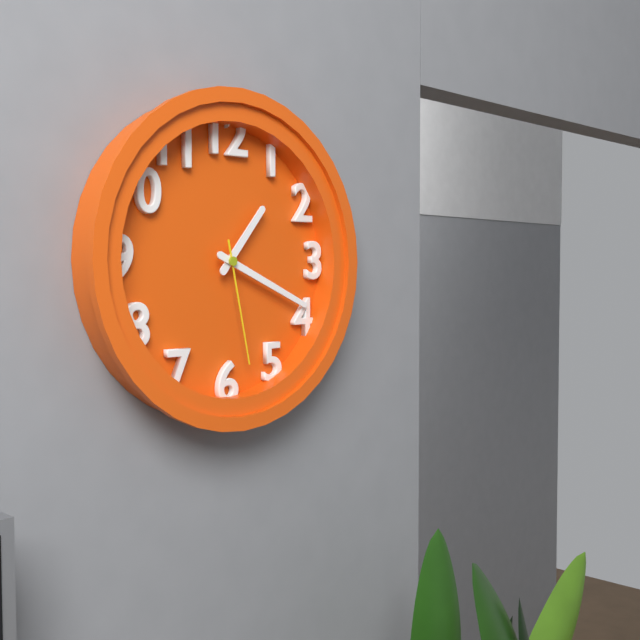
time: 1:19:28
